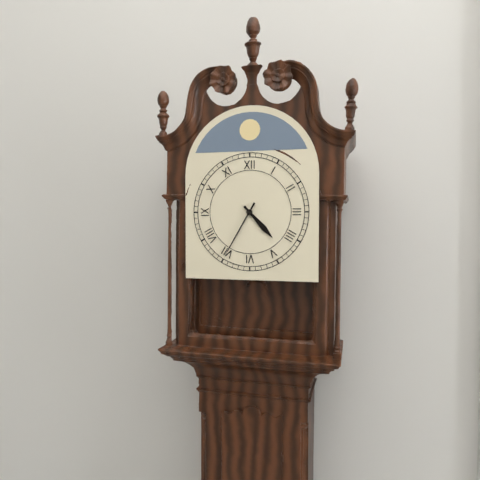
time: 4:35
